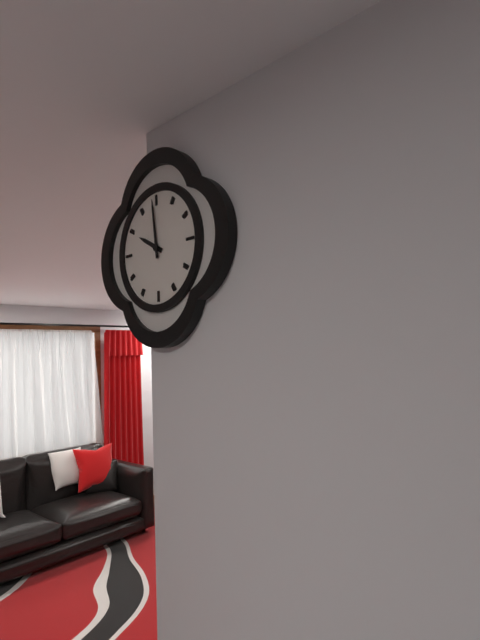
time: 9:59
